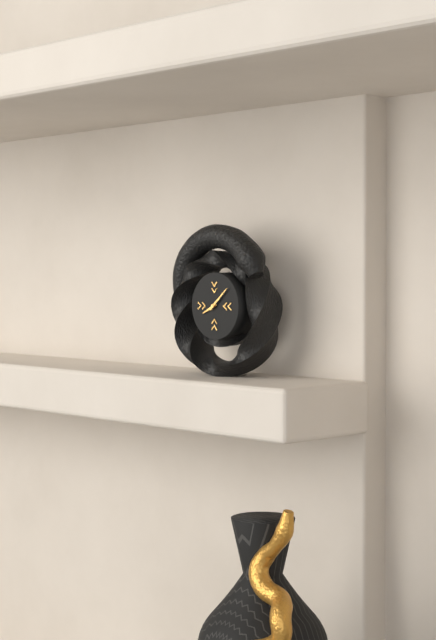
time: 8:08
